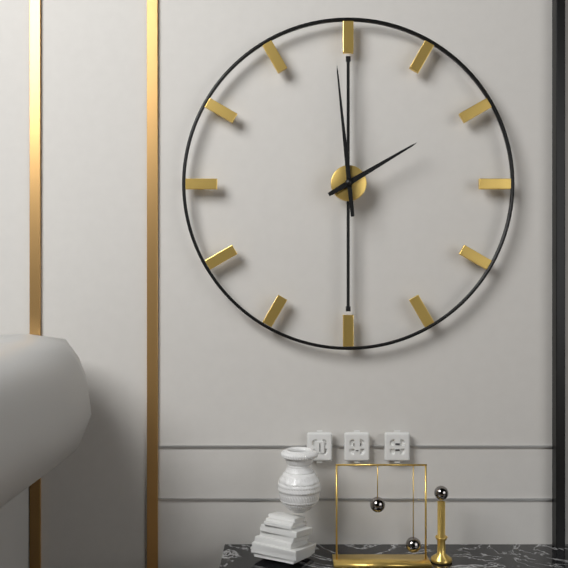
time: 1:59
